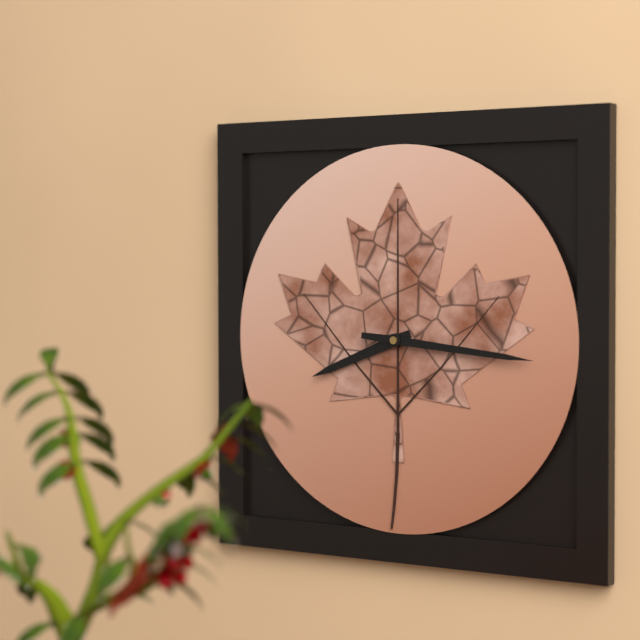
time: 8:16
